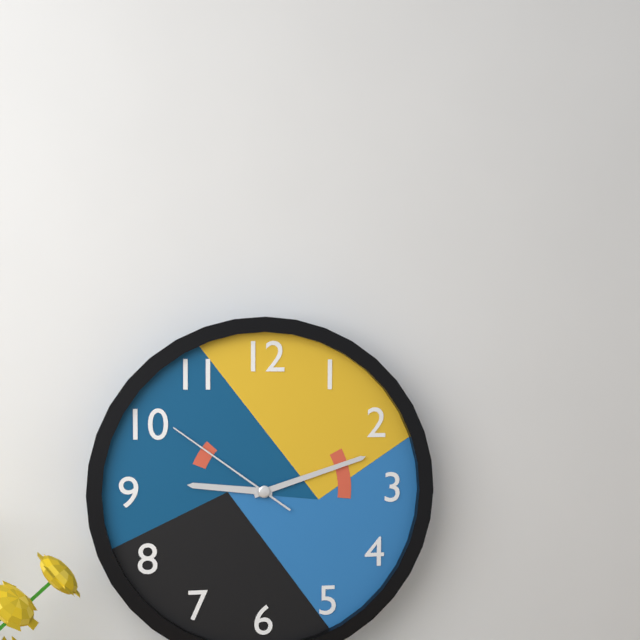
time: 9:12:51
